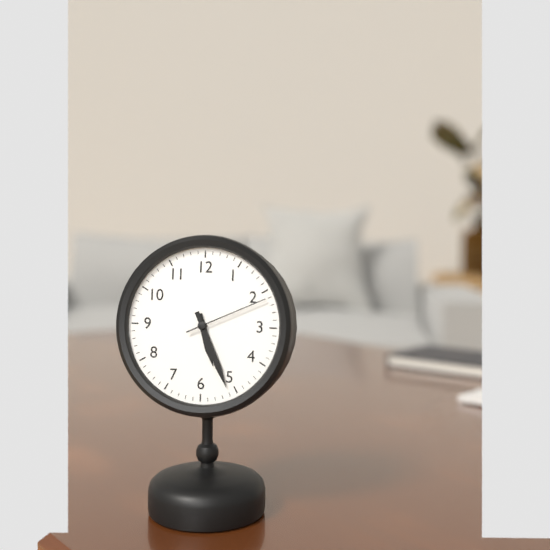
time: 5:26:11
